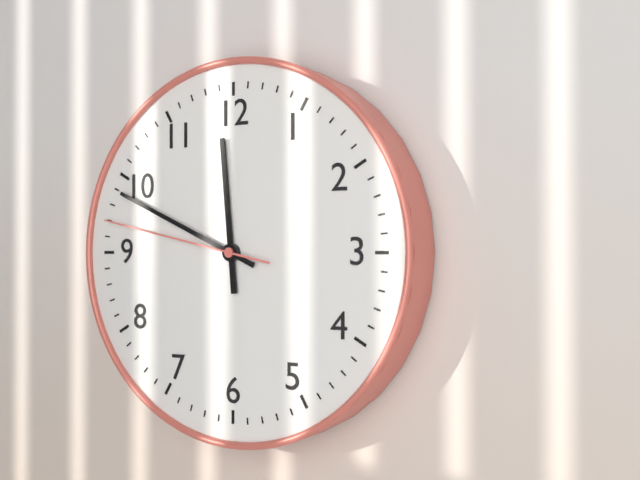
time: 11:49:47
